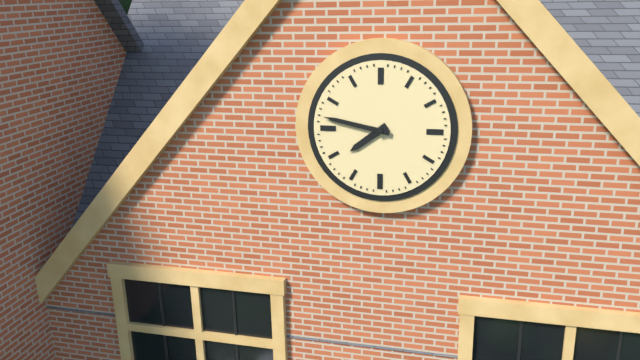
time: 7:47
